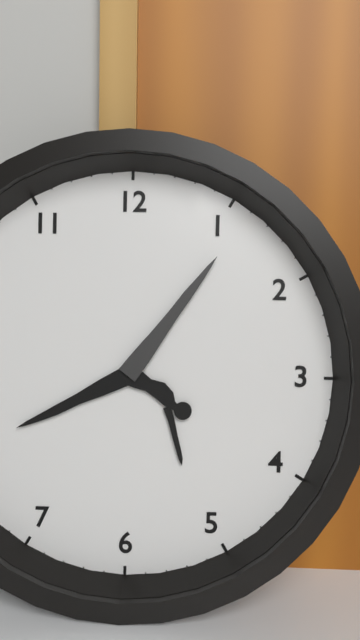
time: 8:06
